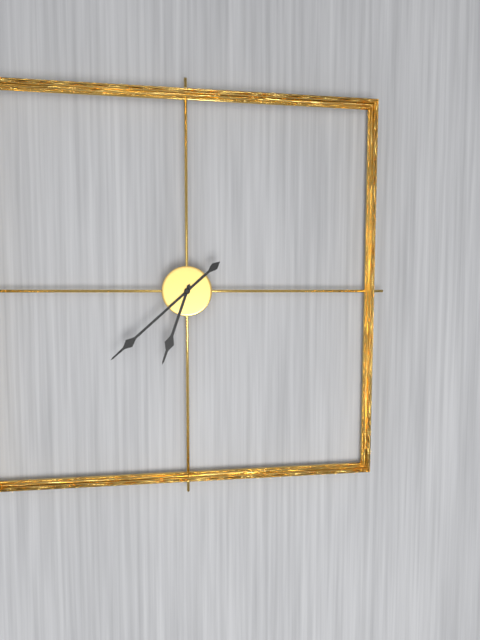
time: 6:38
